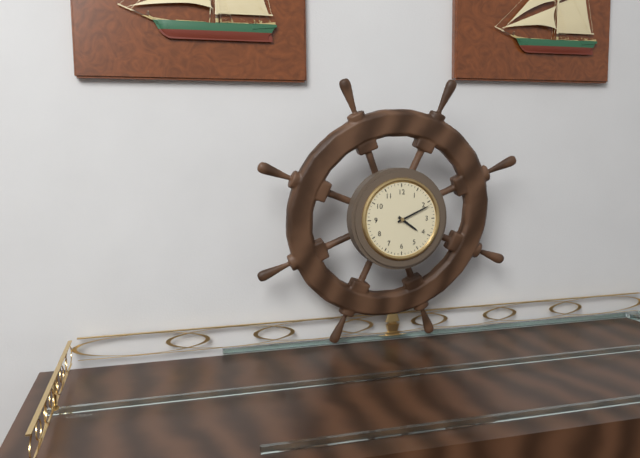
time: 4:11
